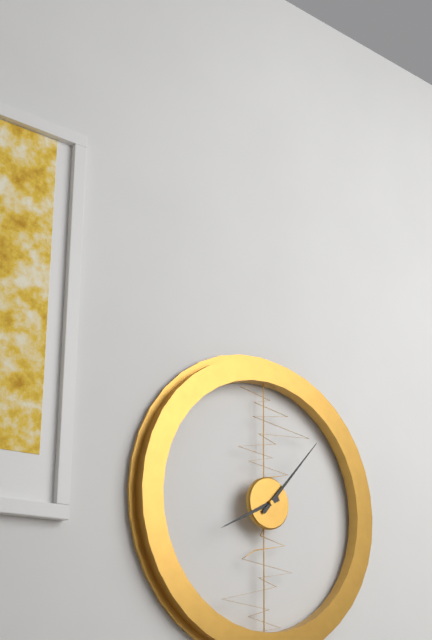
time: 8:07
